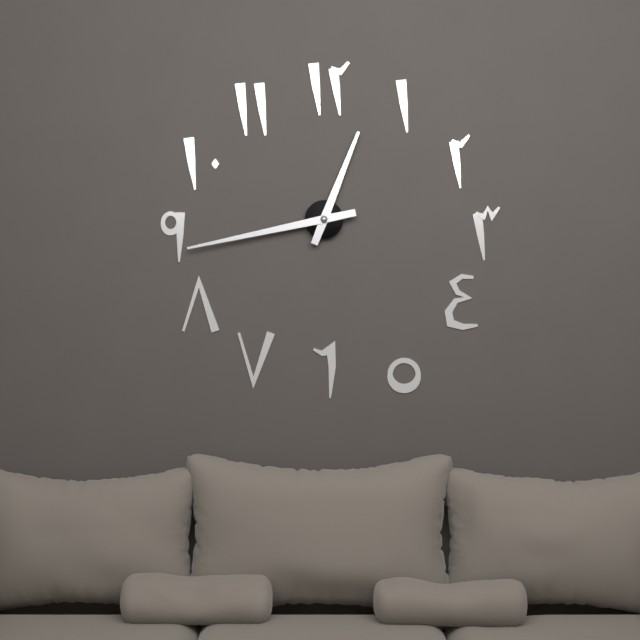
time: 12:43
